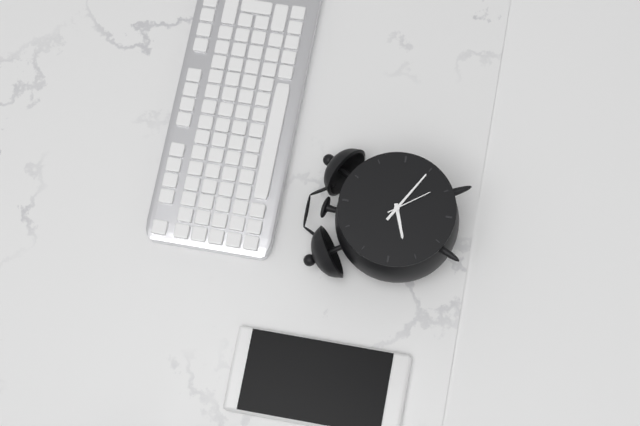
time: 8:20
